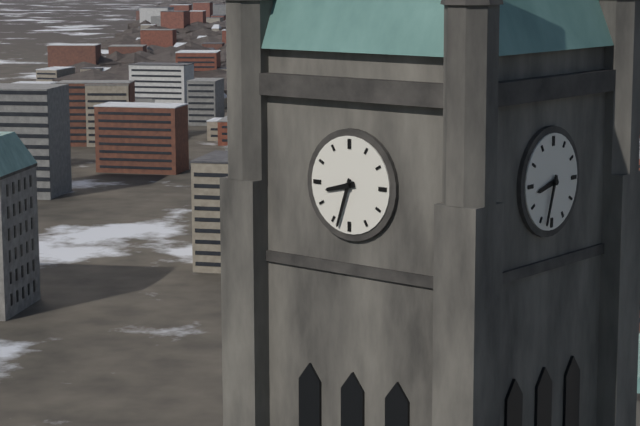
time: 8:33
